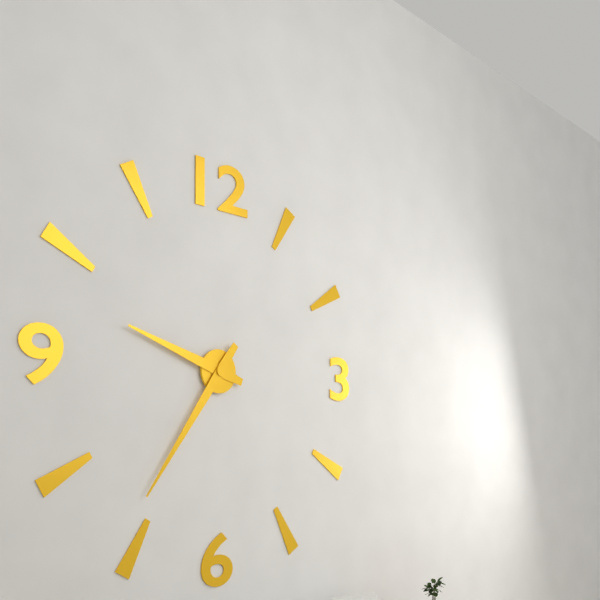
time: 9:36
